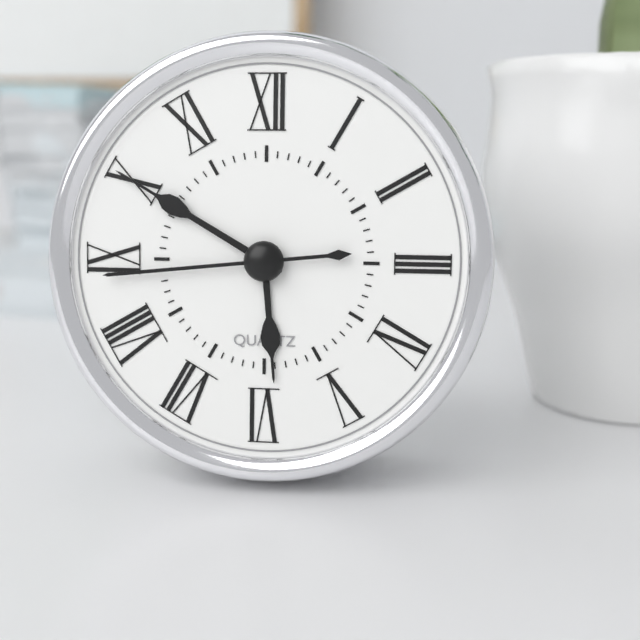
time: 5:50:44
